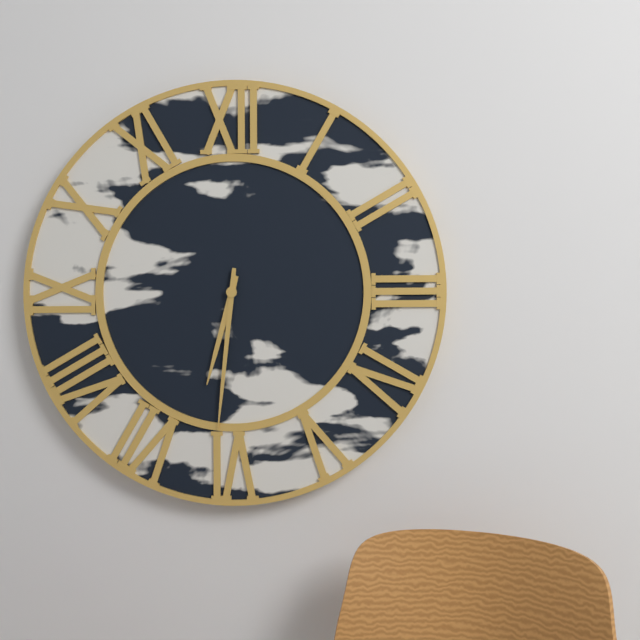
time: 6:31
